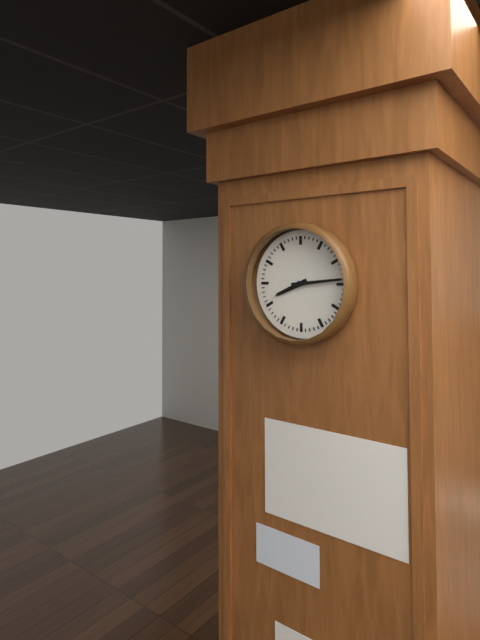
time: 8:14
